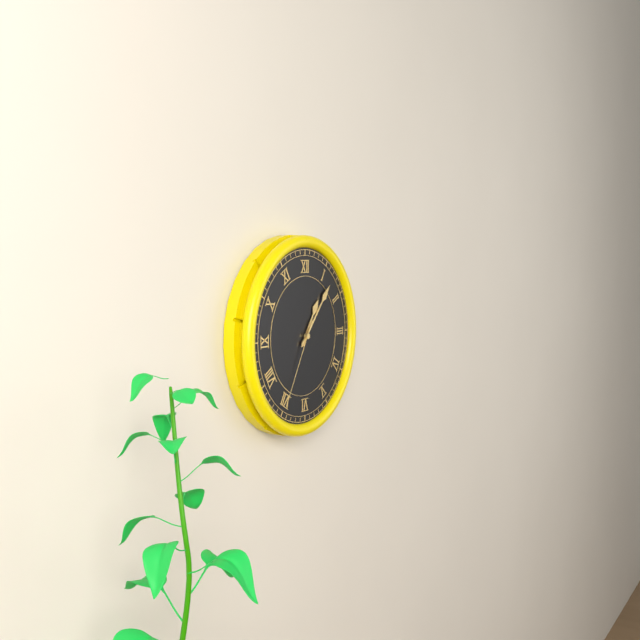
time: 1:07:35
